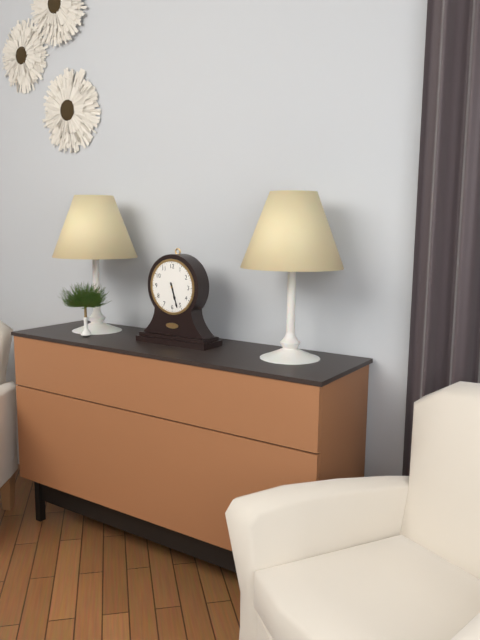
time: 5:27
